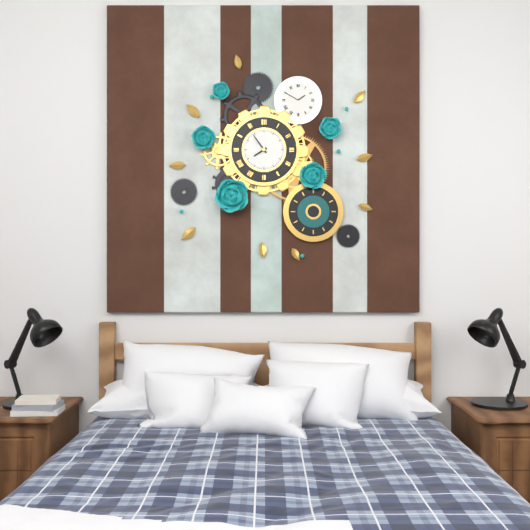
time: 7:54
